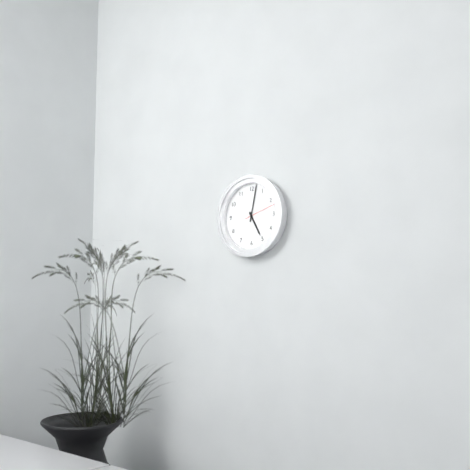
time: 5:02
